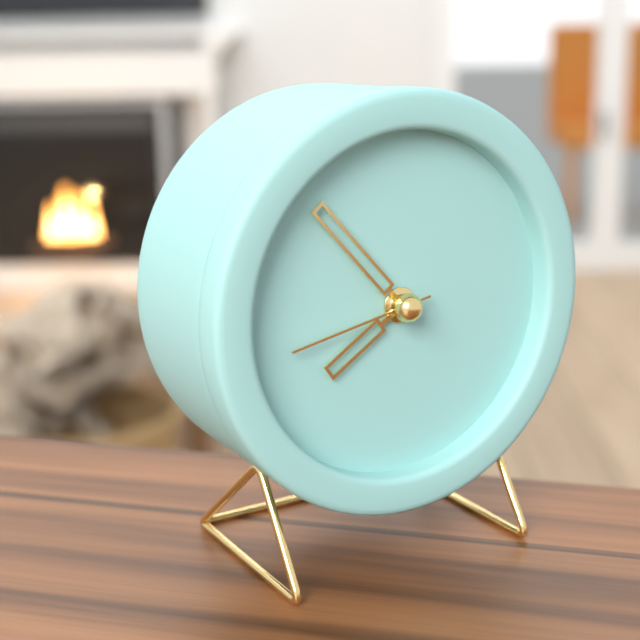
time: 7:53:43
